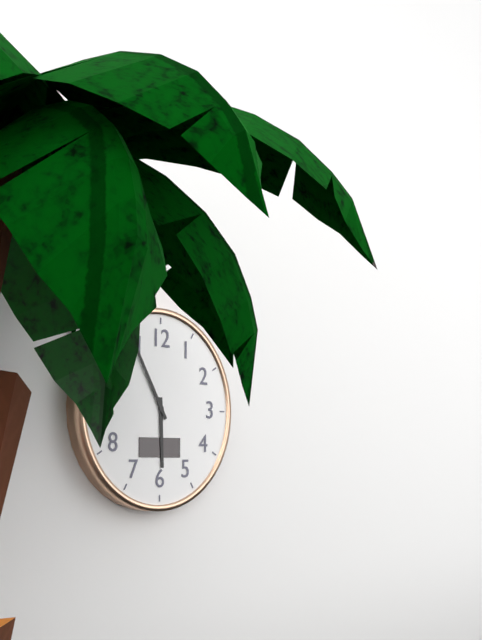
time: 5:55
